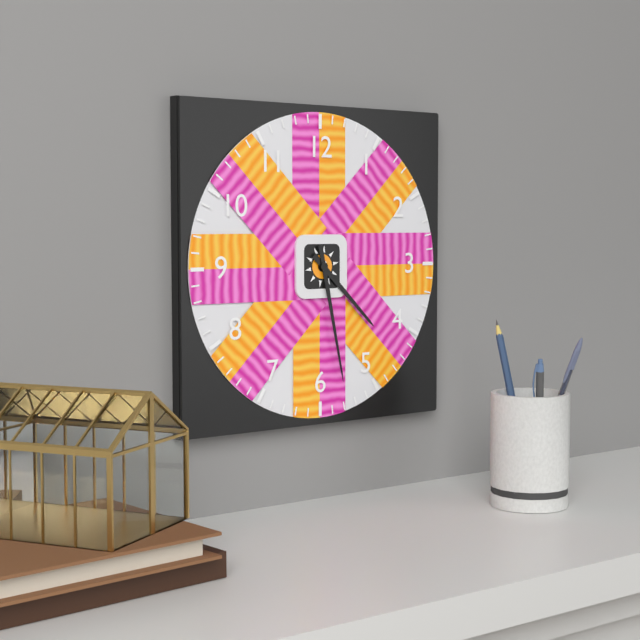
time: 4:28
